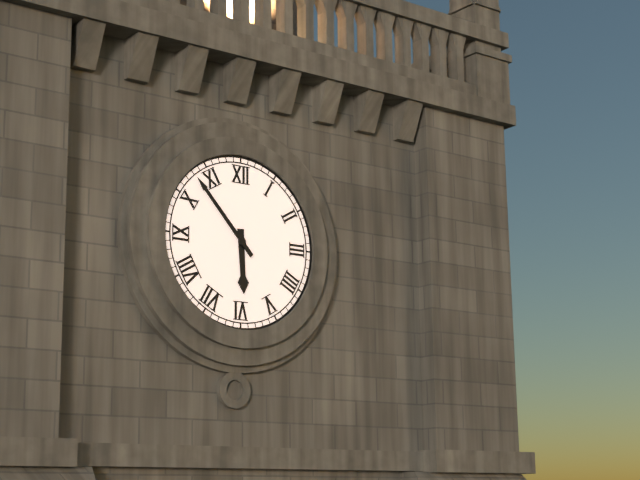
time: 5:53
